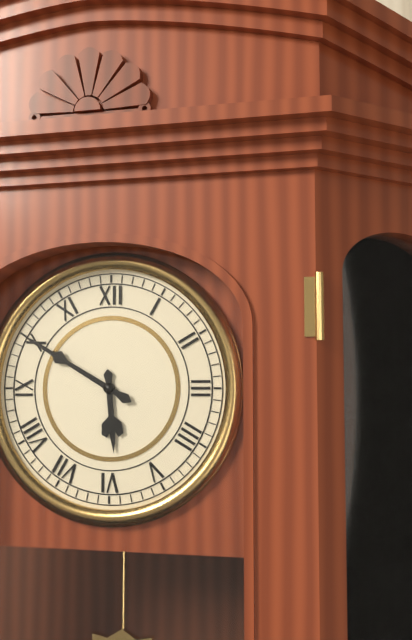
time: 5:50
